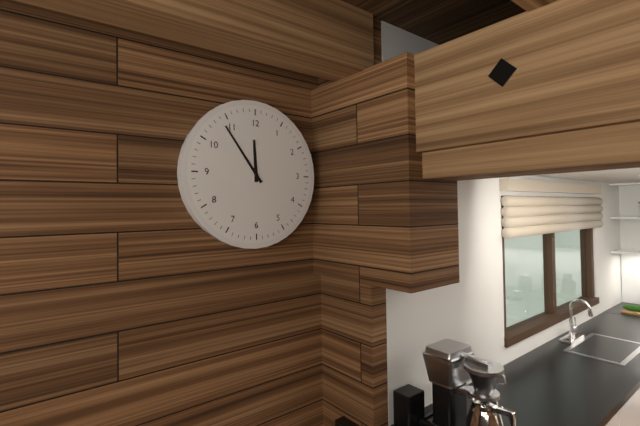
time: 11:54
